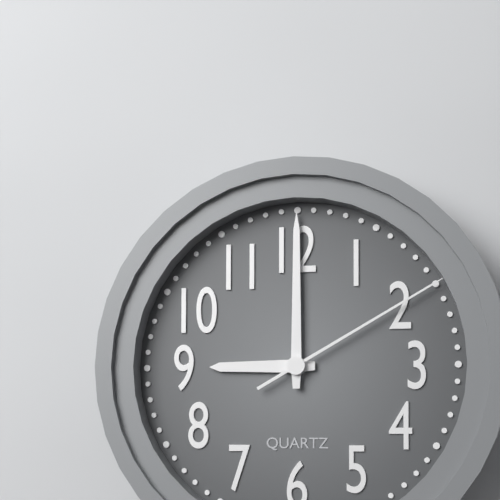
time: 9:00:10
